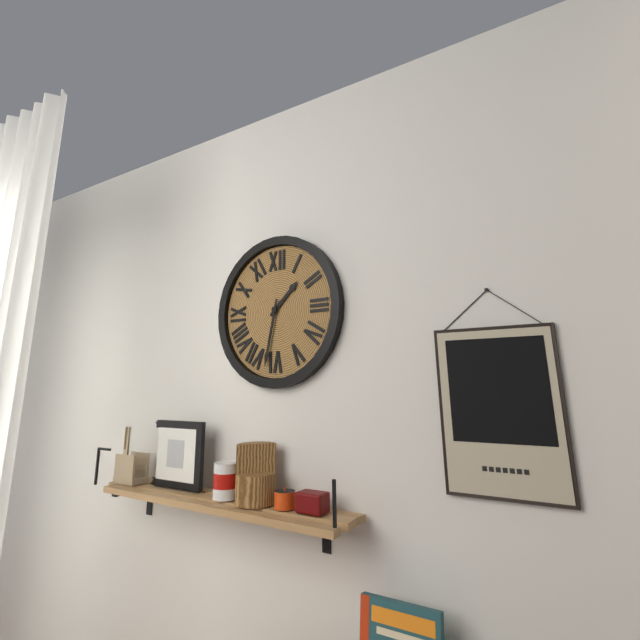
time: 1:32
